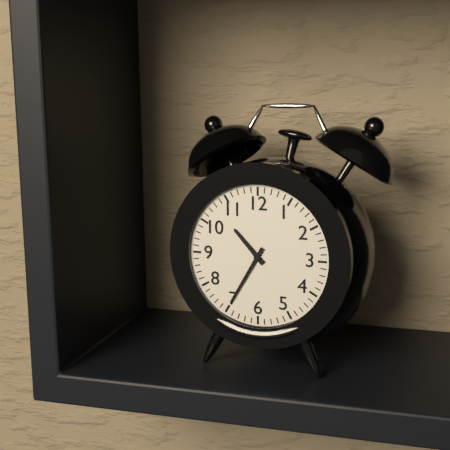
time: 10:35
